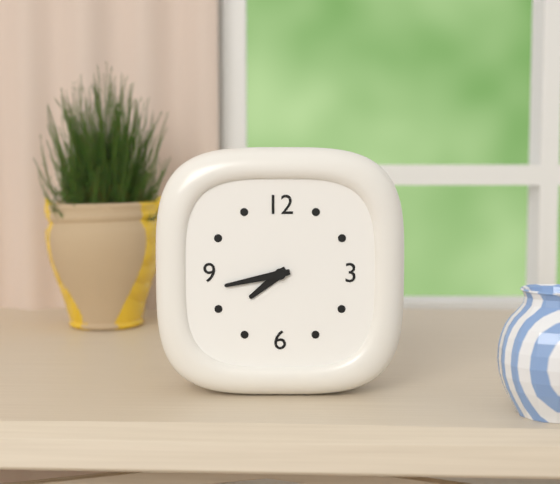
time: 7:43
